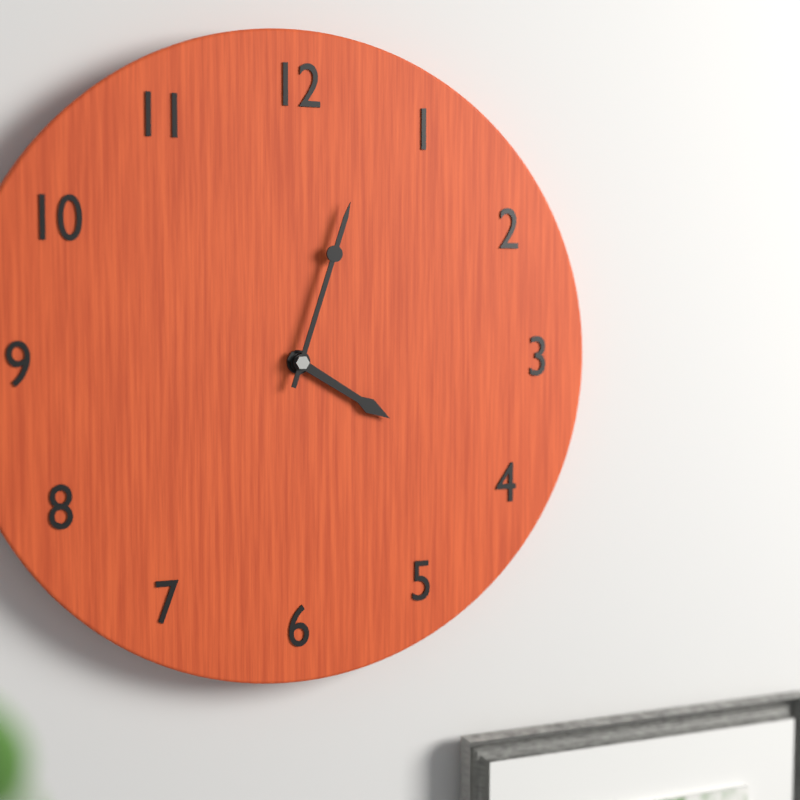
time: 4:03
